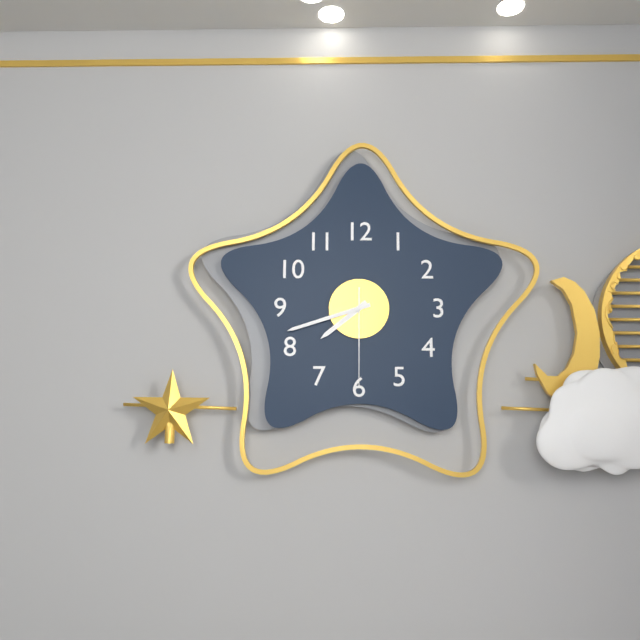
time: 7:42:30
